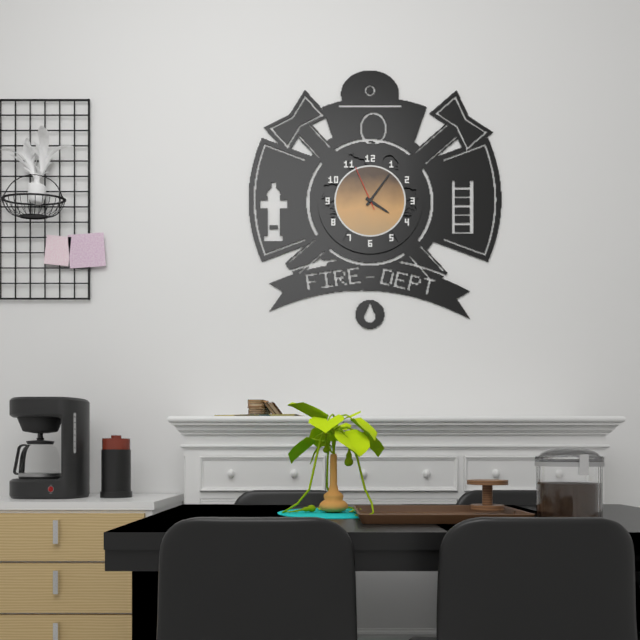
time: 4:06
